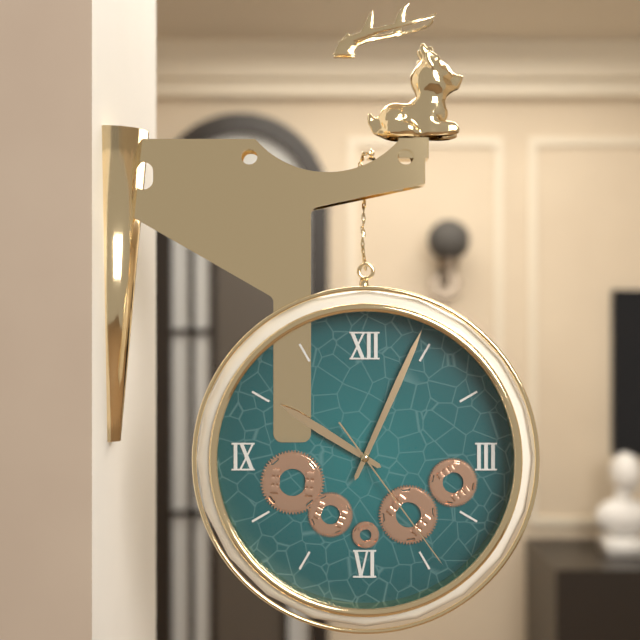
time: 10:04:24
